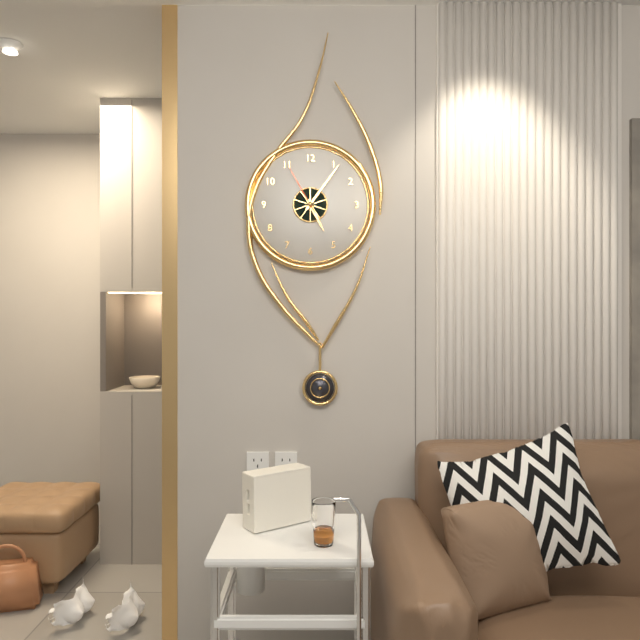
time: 5:06:55
